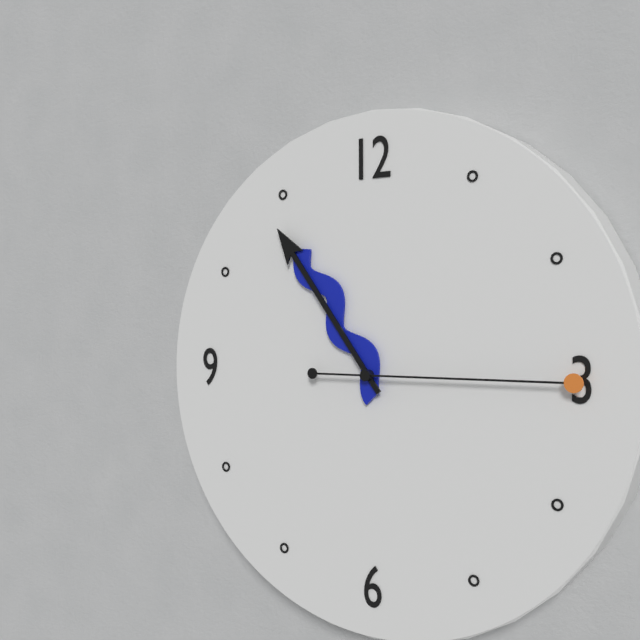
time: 10:54:15
